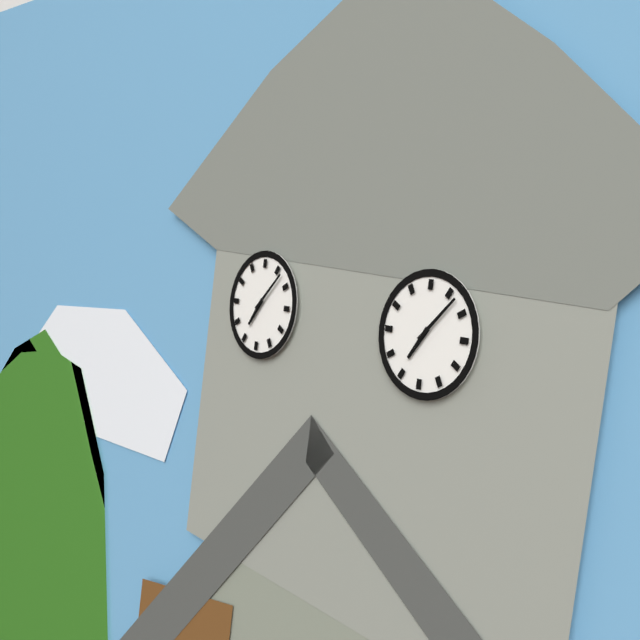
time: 7:07
